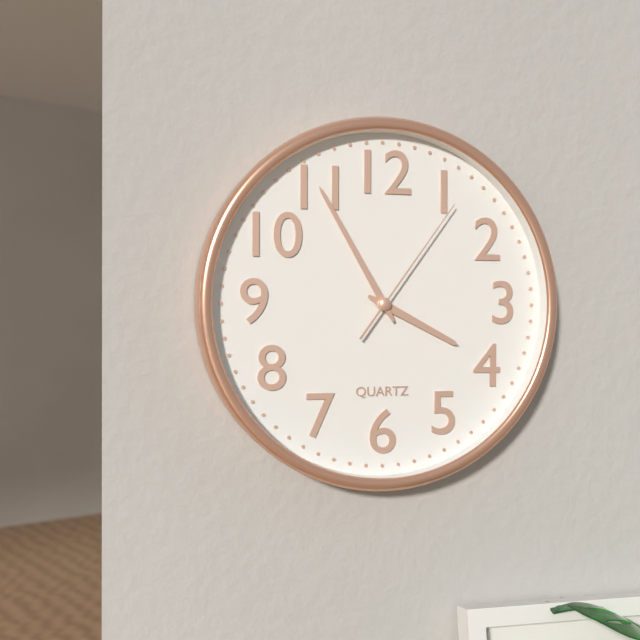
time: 3:55:06
